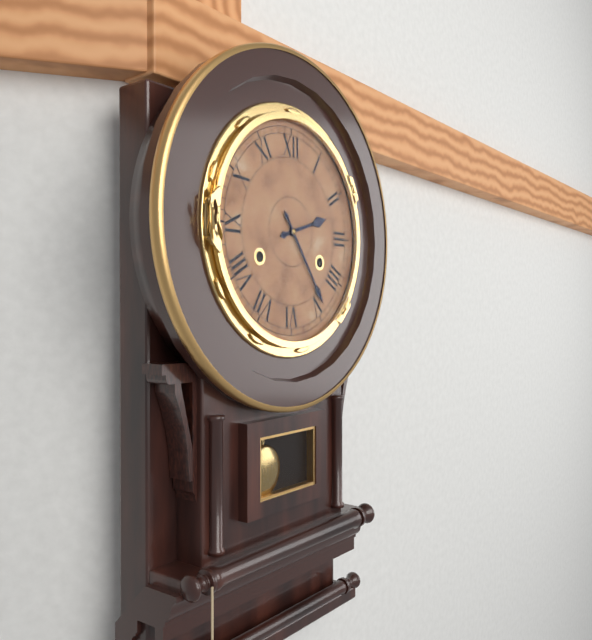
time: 2:24
